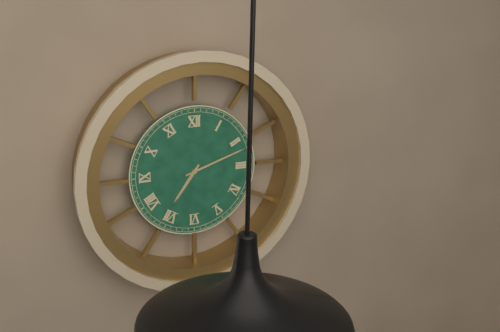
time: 7:12
